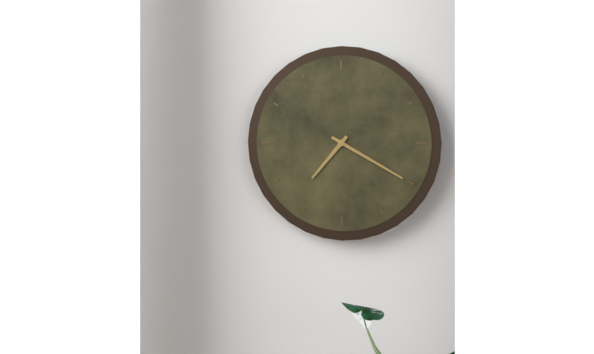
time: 7:20
